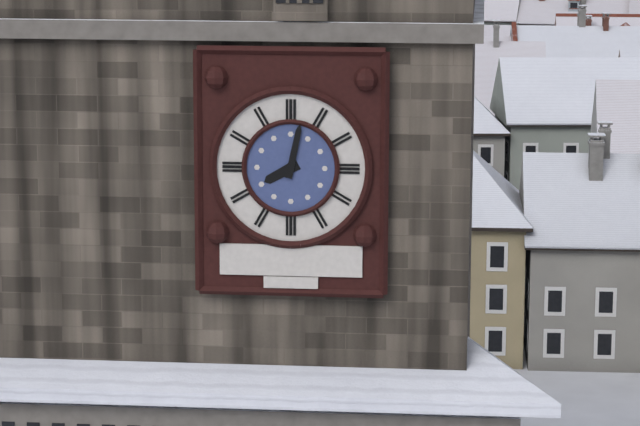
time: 8:02
